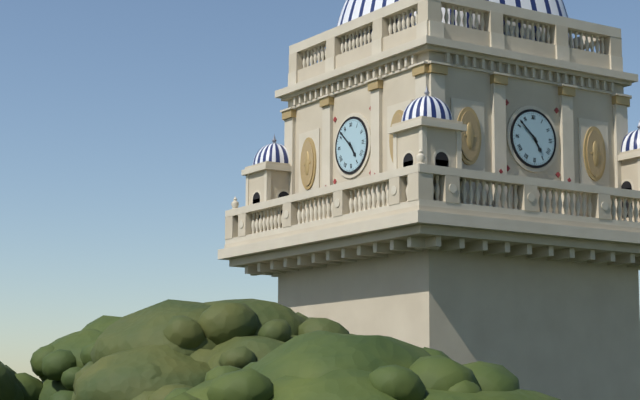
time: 4:52
